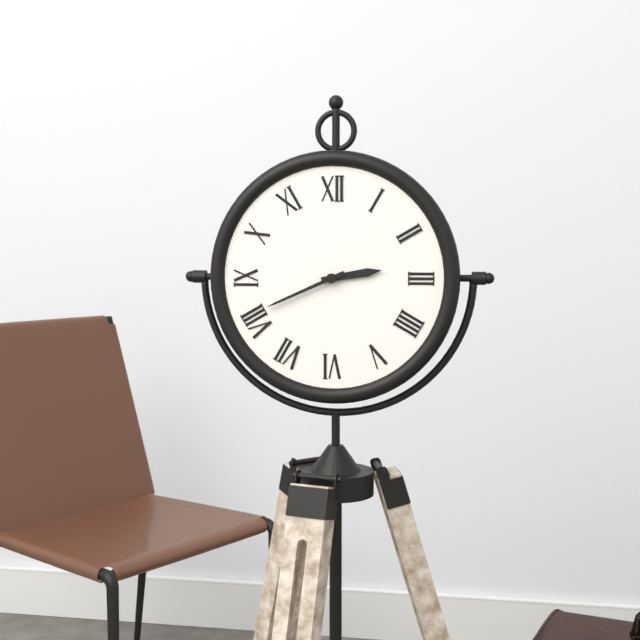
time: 2:41
